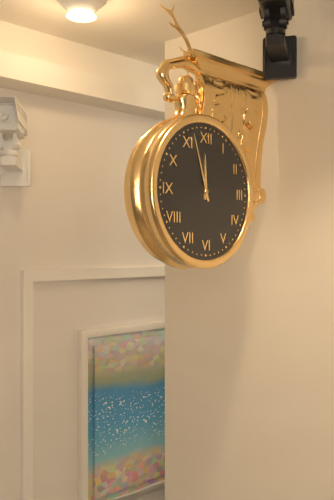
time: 11:57
